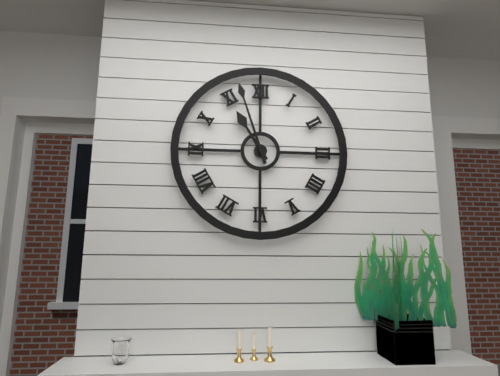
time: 10:57
